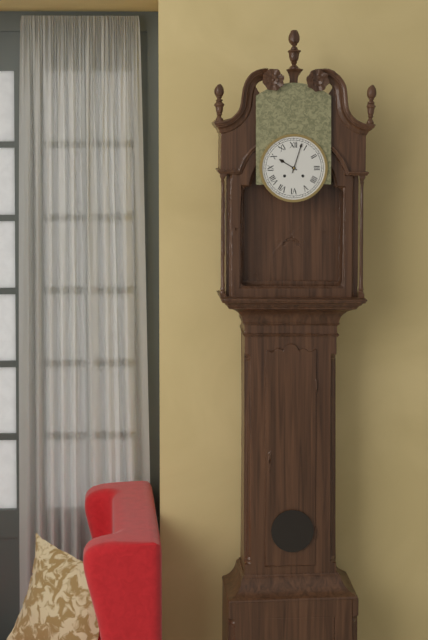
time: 10:03
